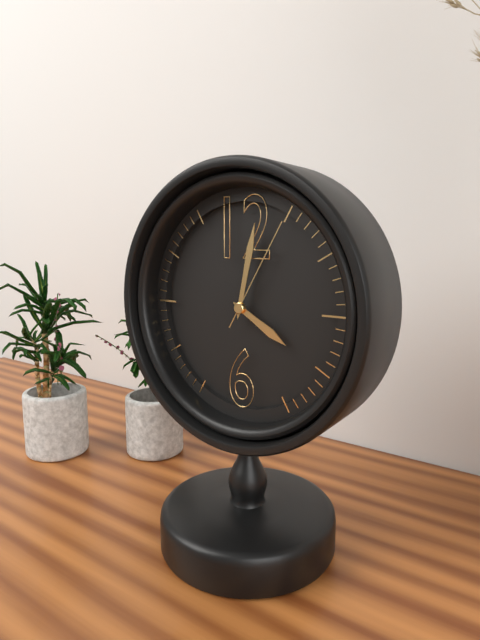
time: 4:02:05
